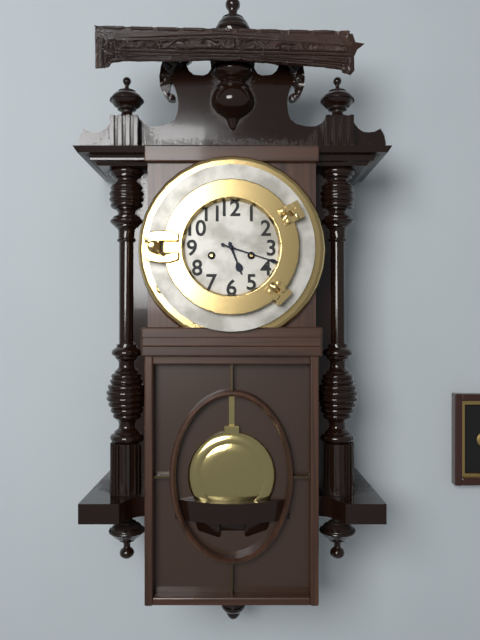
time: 5:18
